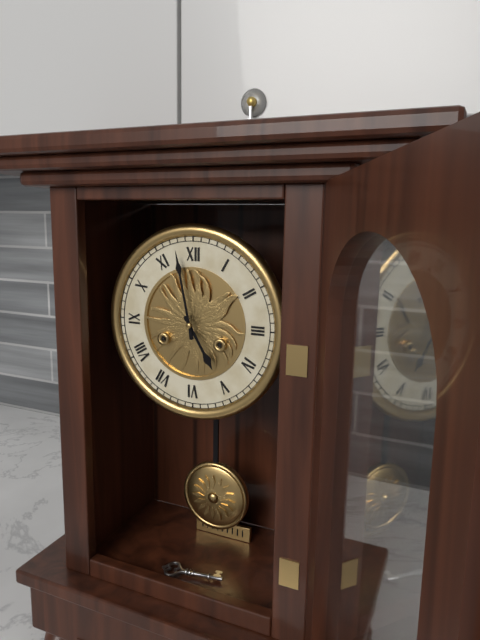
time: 4:58
